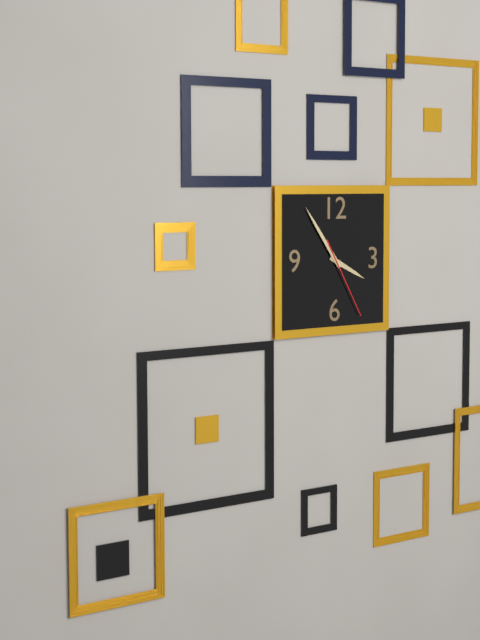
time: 3:54:25
